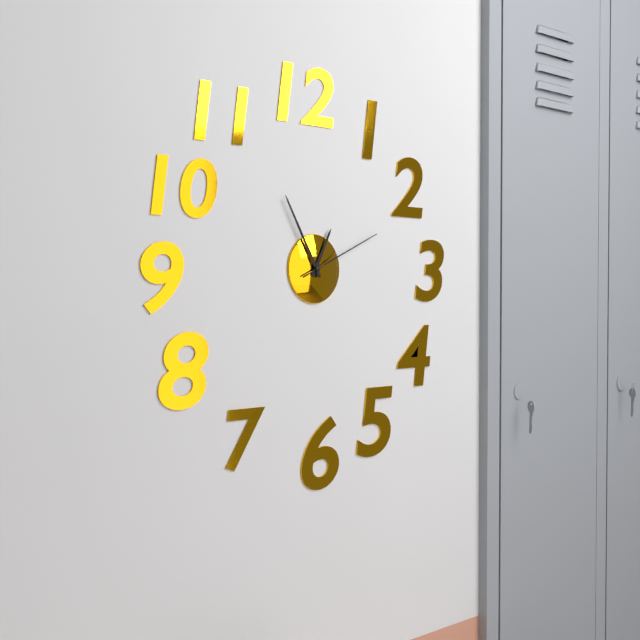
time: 12:55:11
